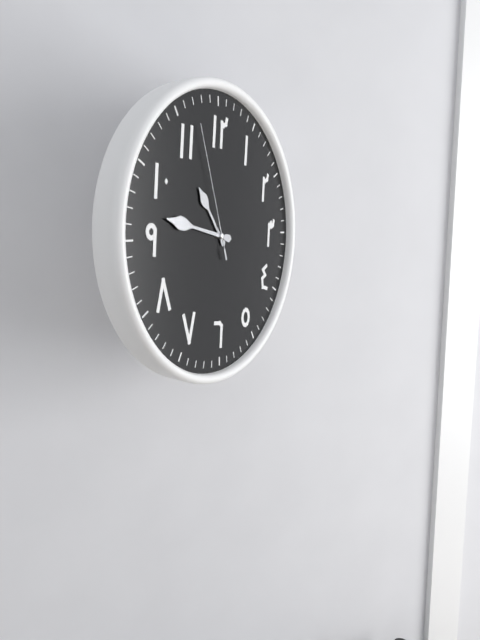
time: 10:47:57
